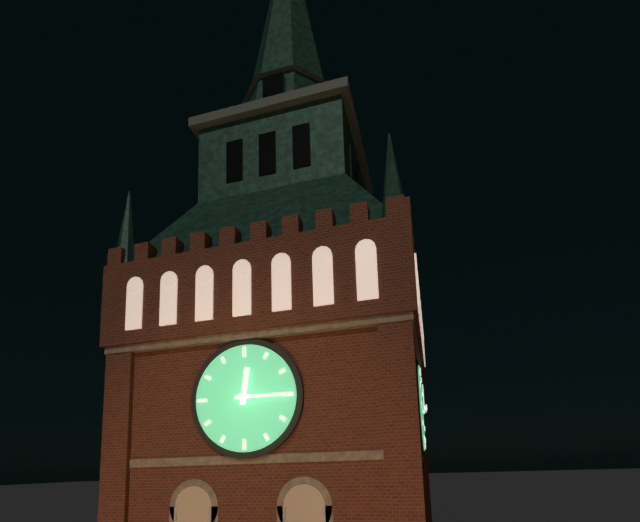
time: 12:15
